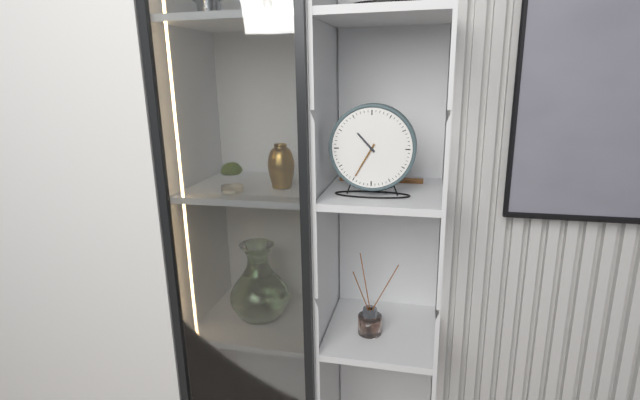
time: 10:35
